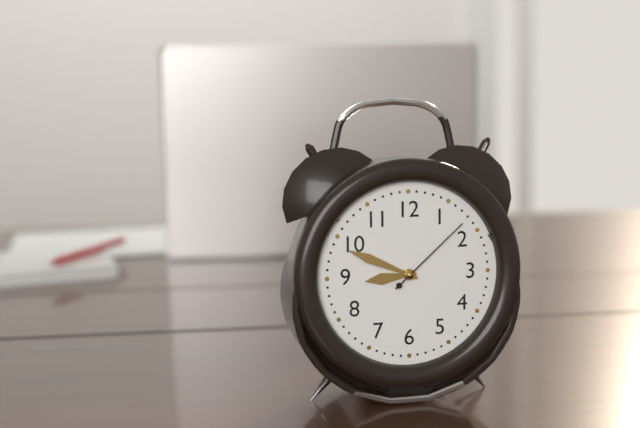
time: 8:49:08
